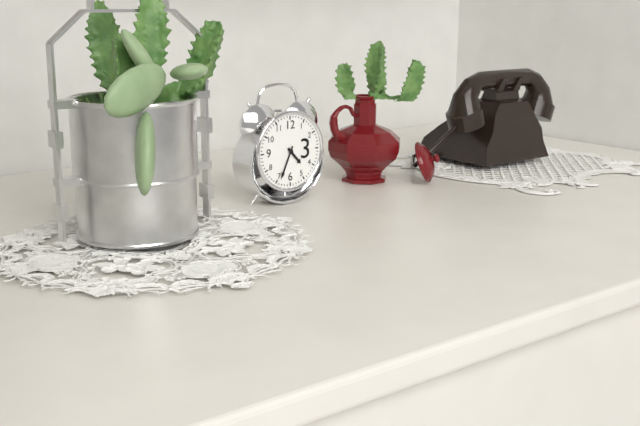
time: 4:34
